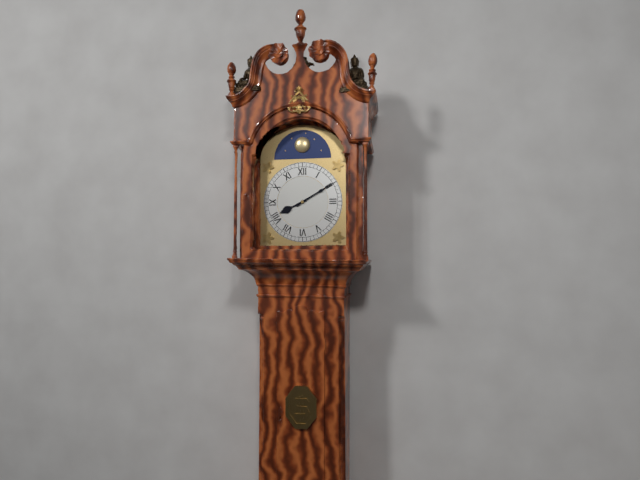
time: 8:10
